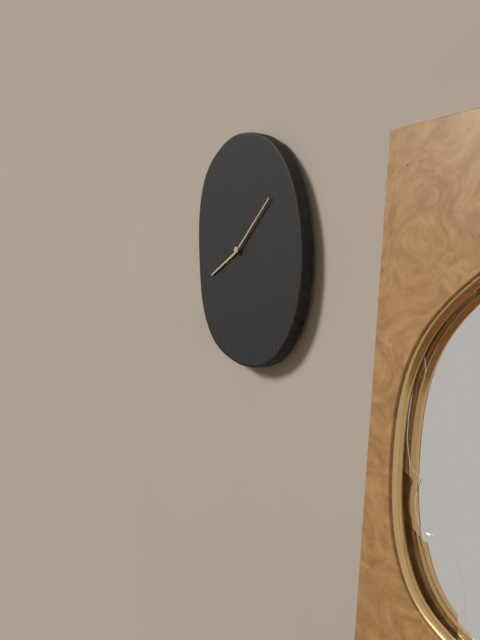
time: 8:08
